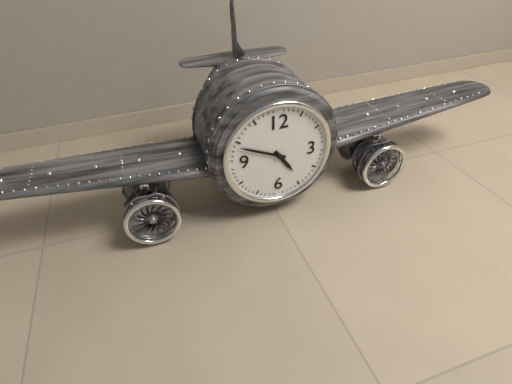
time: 4:49
